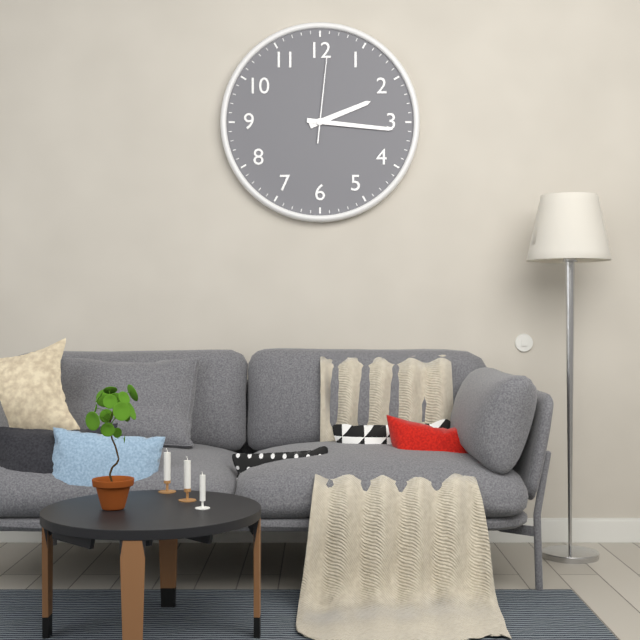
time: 2:16:01
